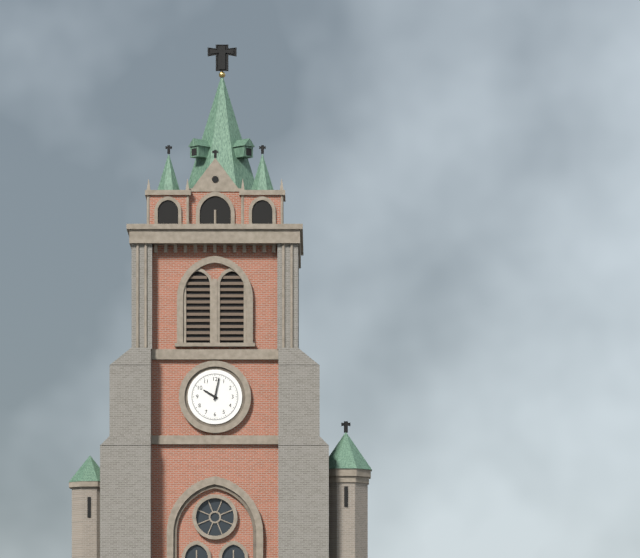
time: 10:02
